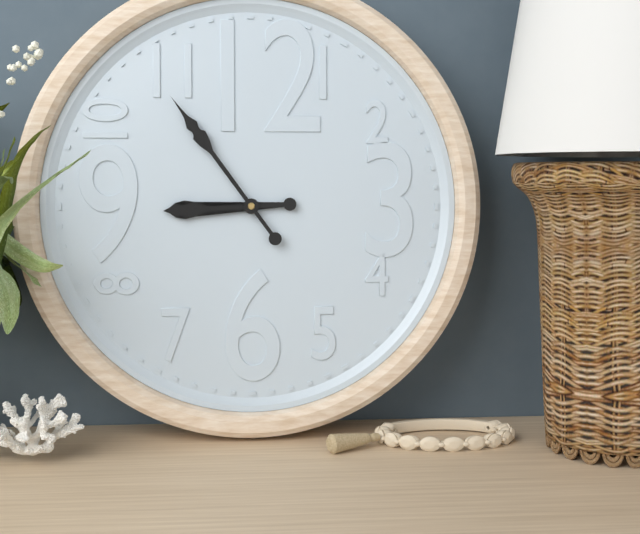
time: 8:54
